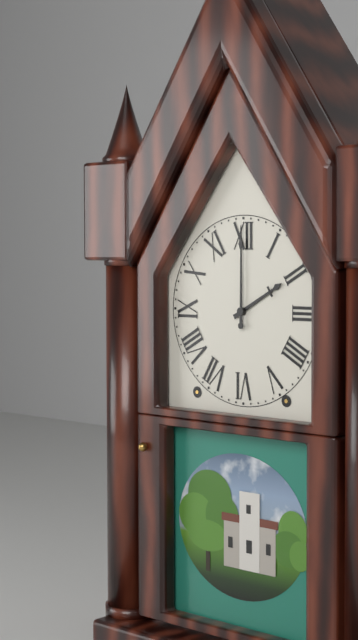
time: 2:00
